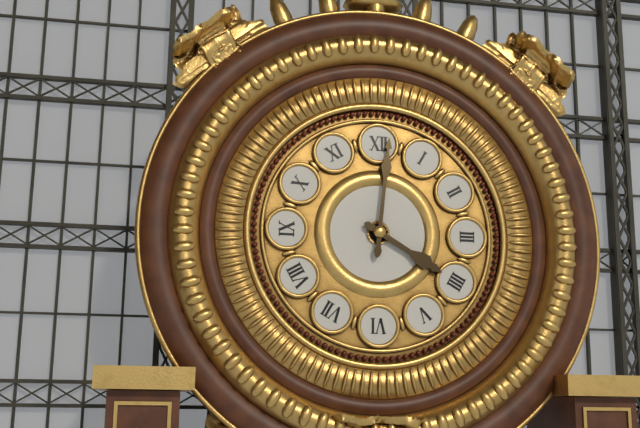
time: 4:01
